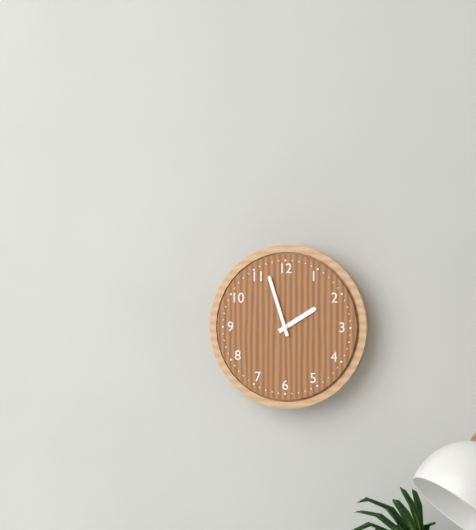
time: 1:57
